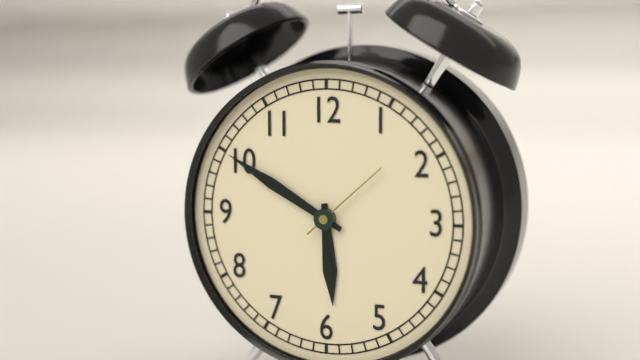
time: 5:50:08
